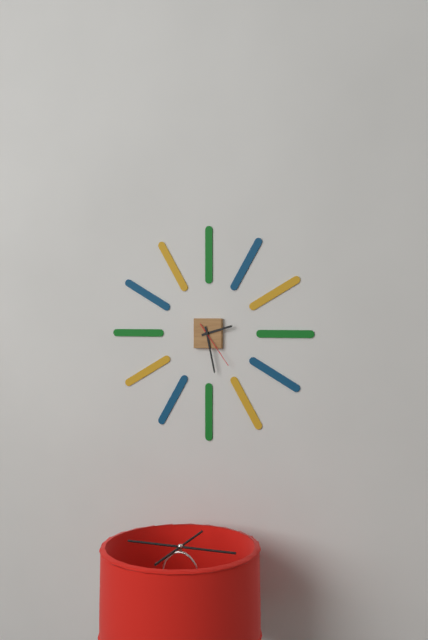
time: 2:28
